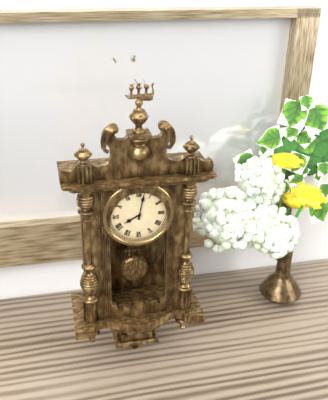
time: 8:02
